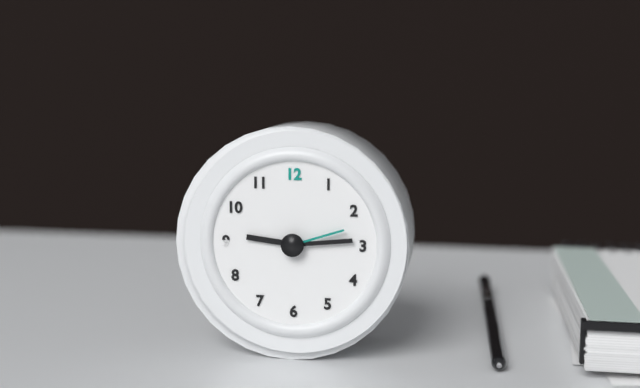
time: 9:14:12
